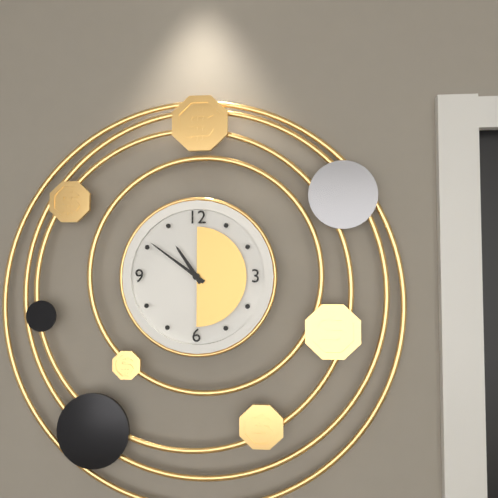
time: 10:51
